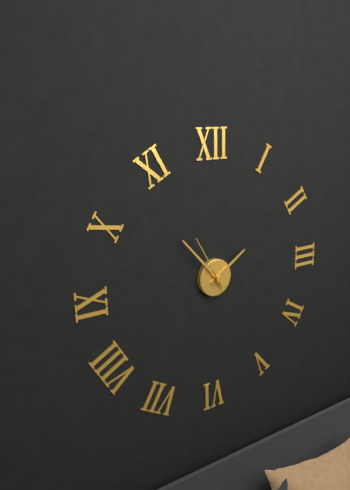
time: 1:53:55
